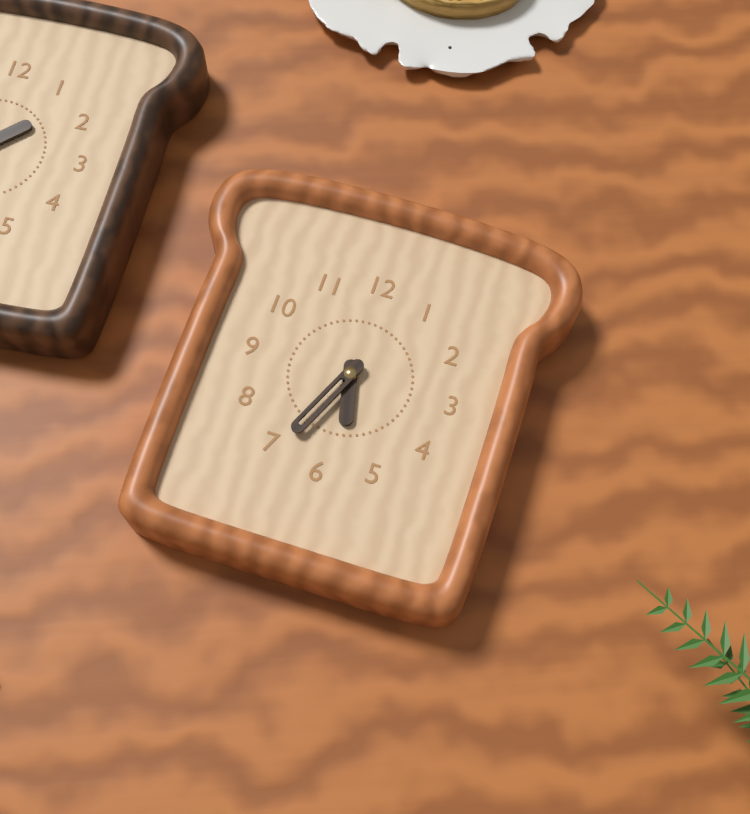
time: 5:34
